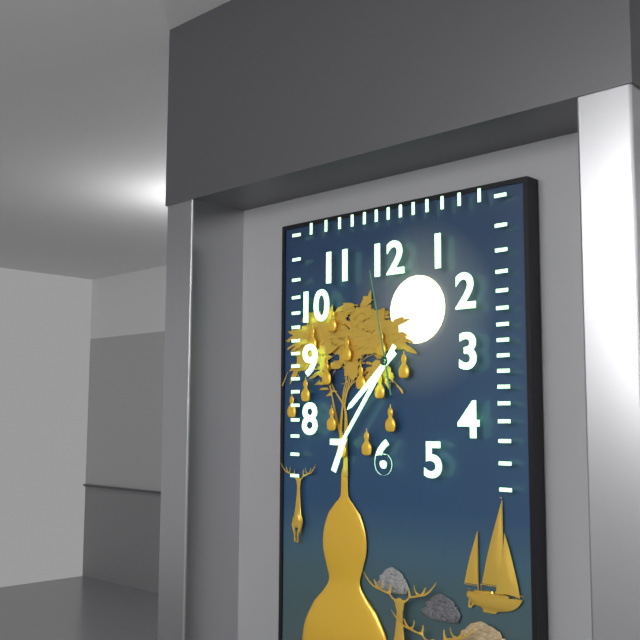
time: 7:36:58
